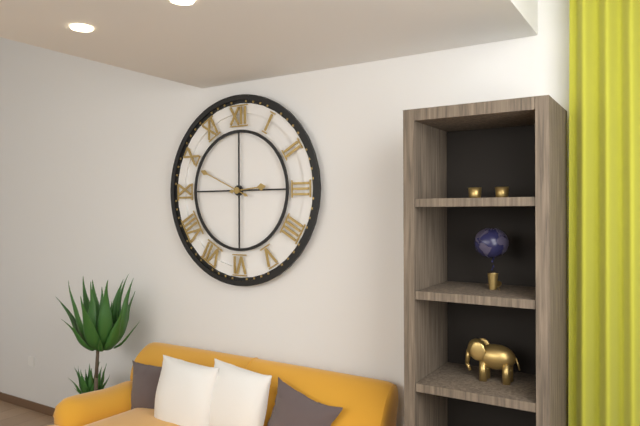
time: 2:49
